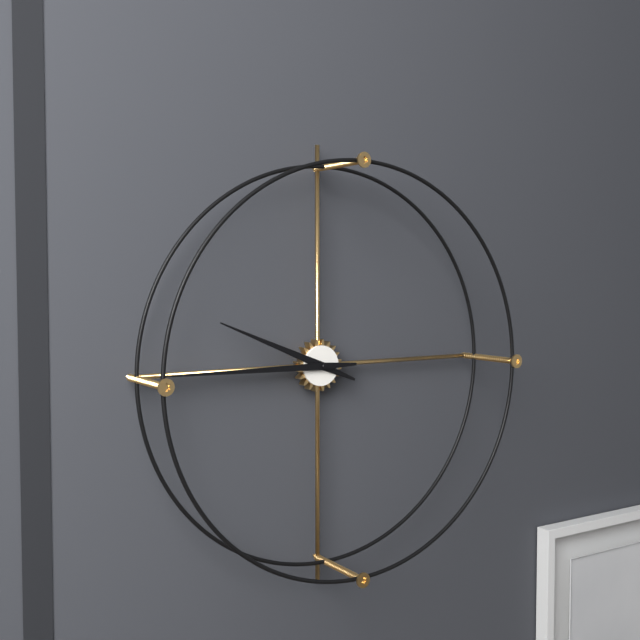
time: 9:45
